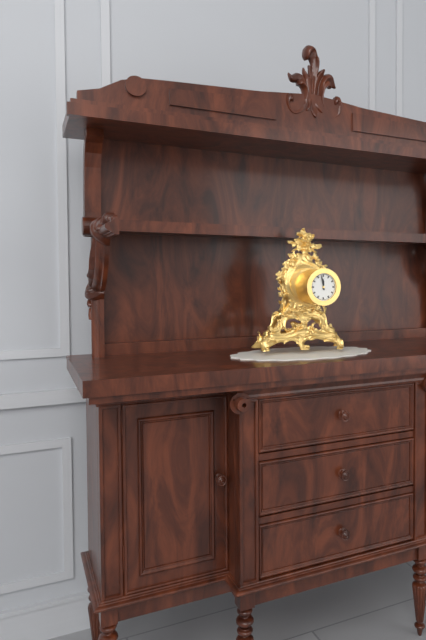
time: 11:58
